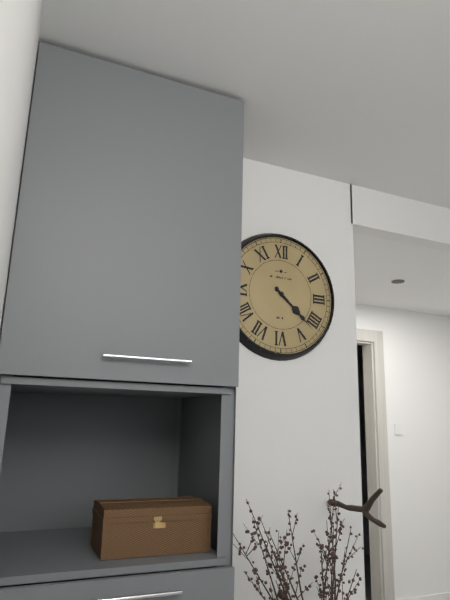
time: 4:22
